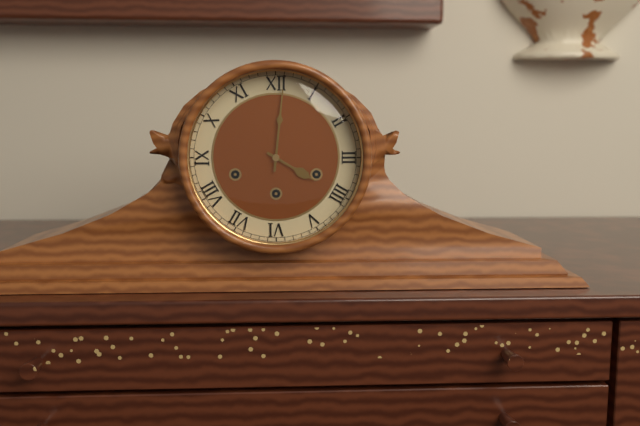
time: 4:01
